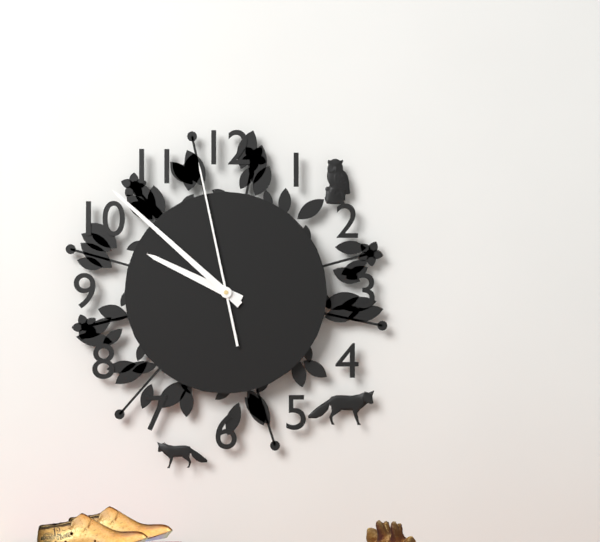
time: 9:52:58
